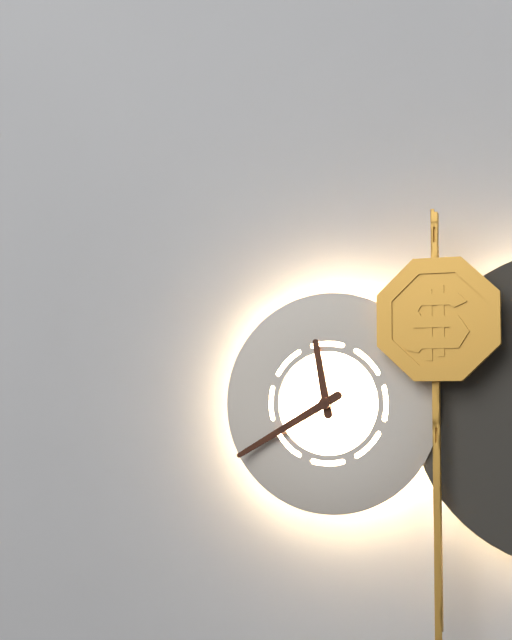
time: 11:40
